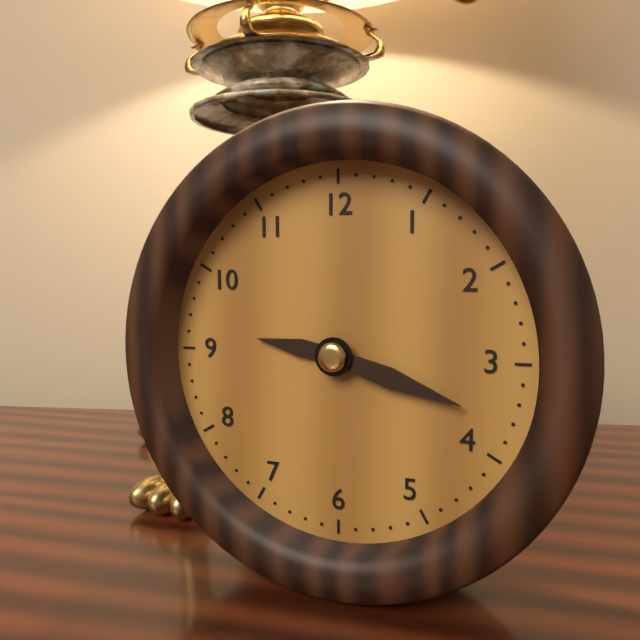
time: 9:18
